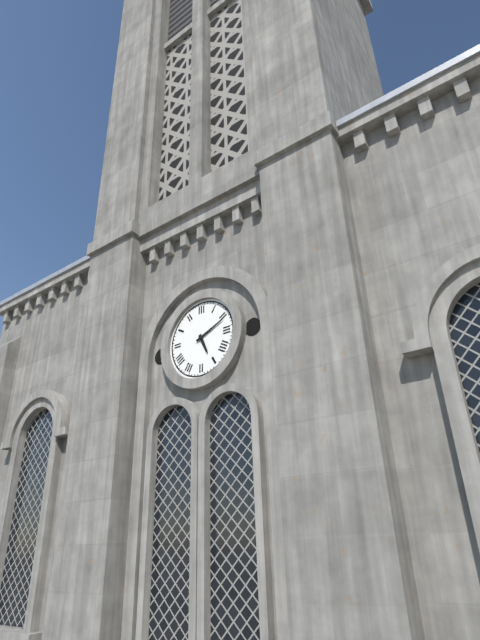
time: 5:11
